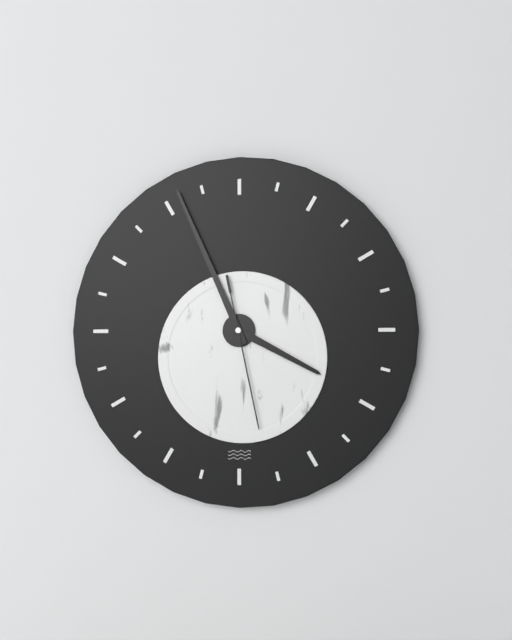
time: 3:56:28
